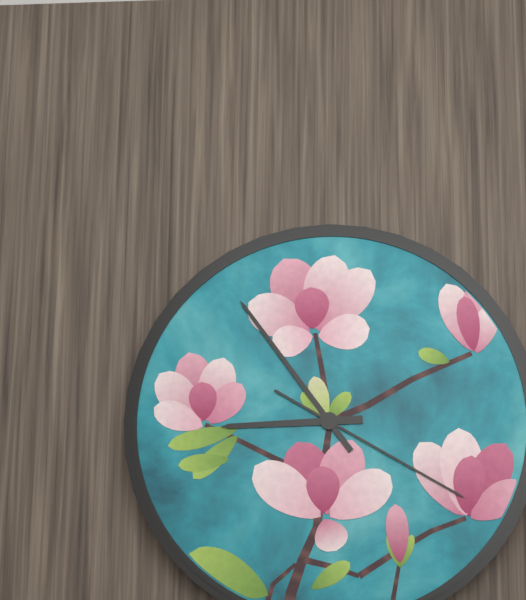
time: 8:54:20
